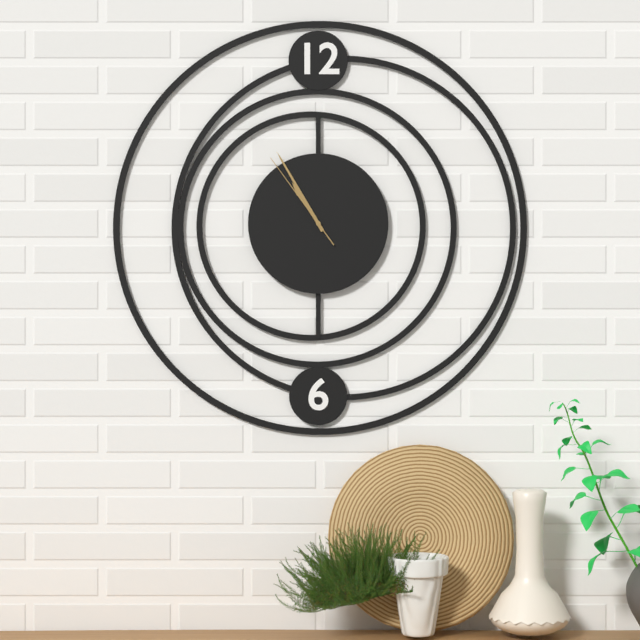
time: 10:55:54
